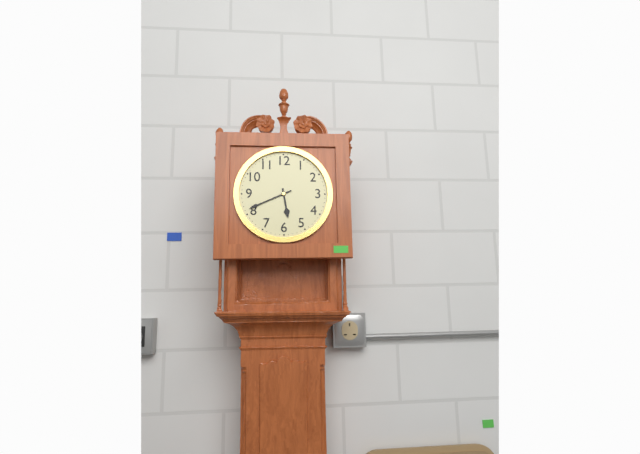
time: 5:41
